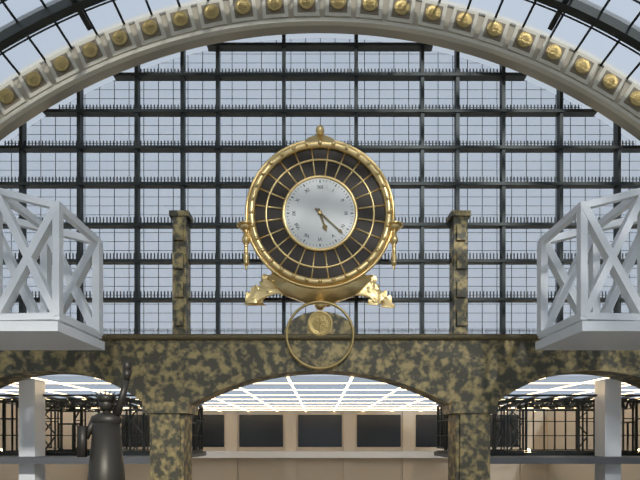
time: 5:22
